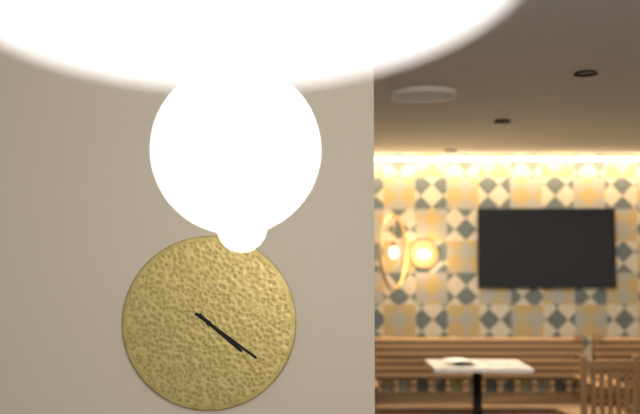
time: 4:21
